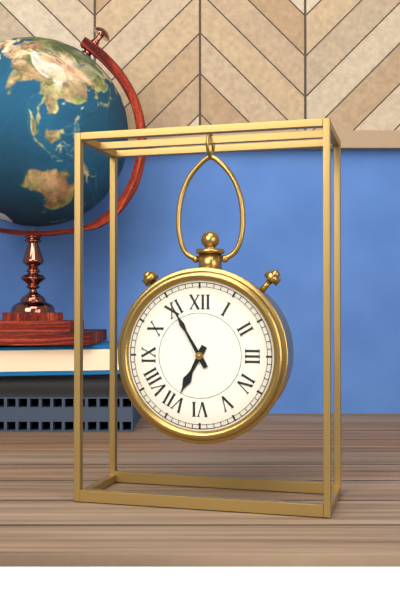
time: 6:55
